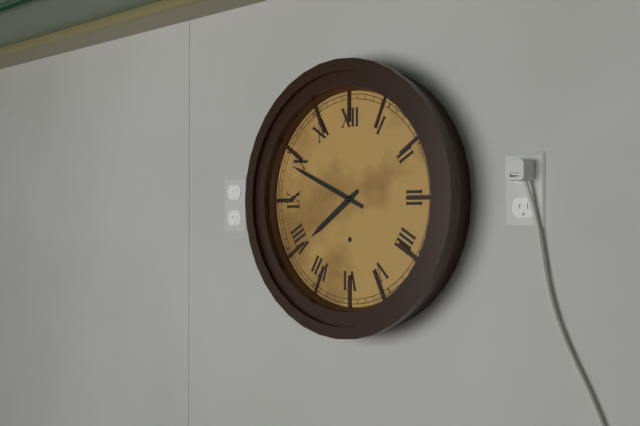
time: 7:49
